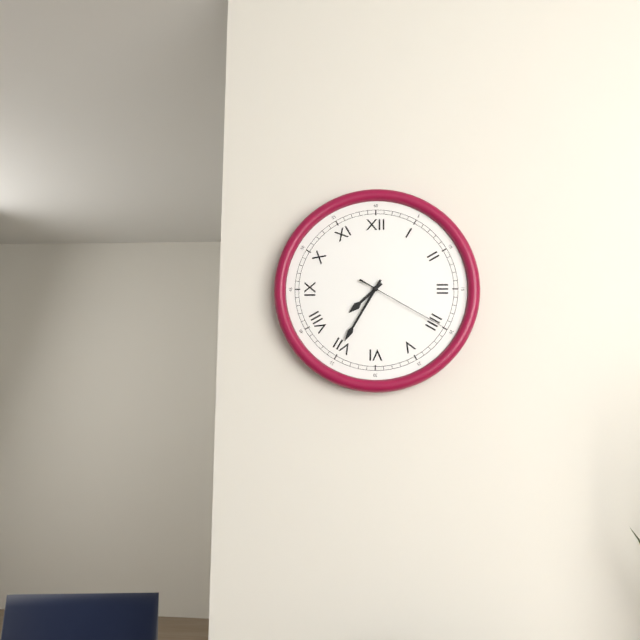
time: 7:35:20
